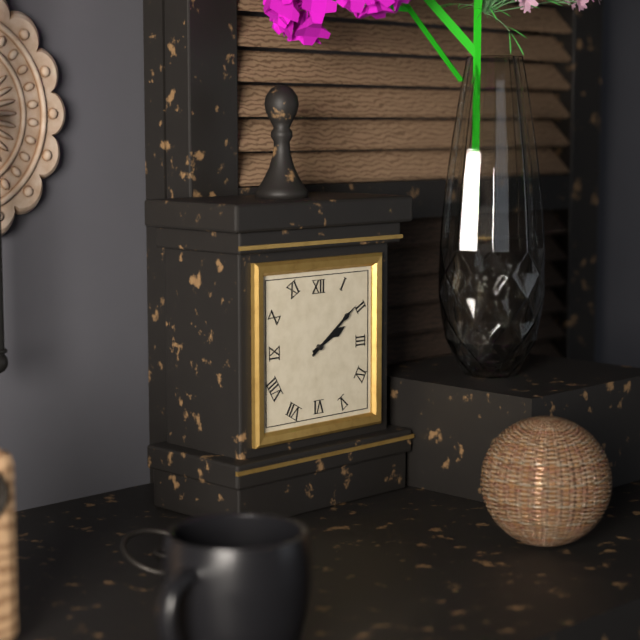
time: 2:09
